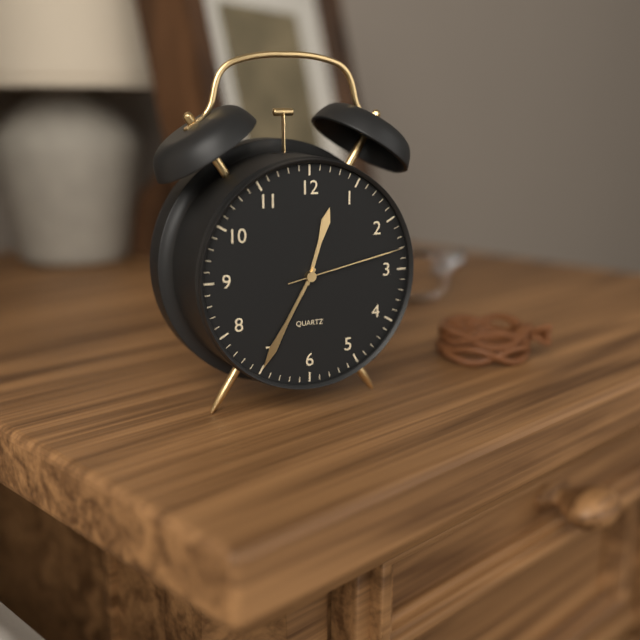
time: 12:35:13
